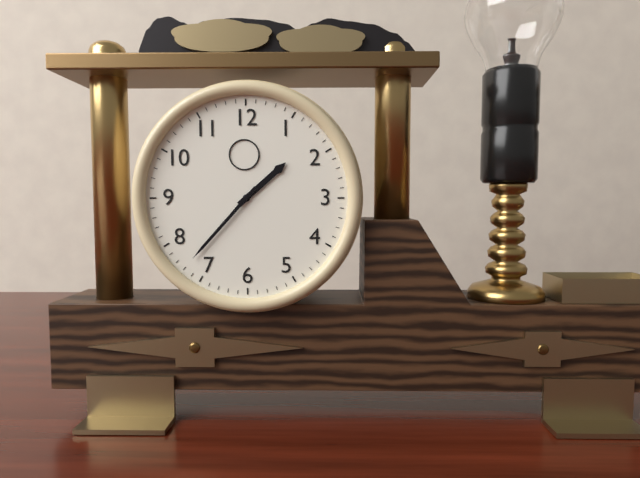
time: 1:37
